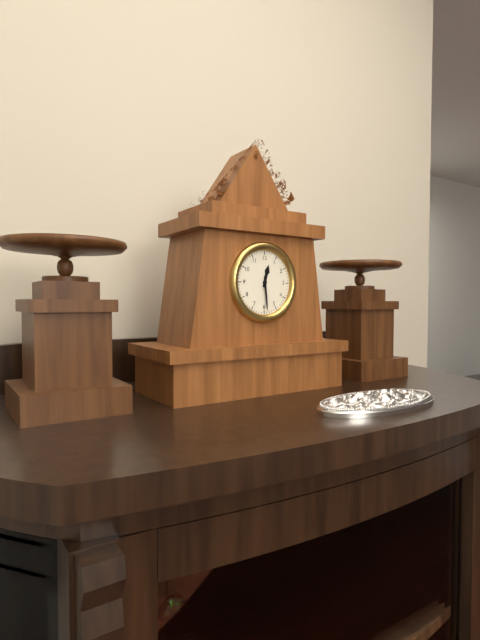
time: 12:29
